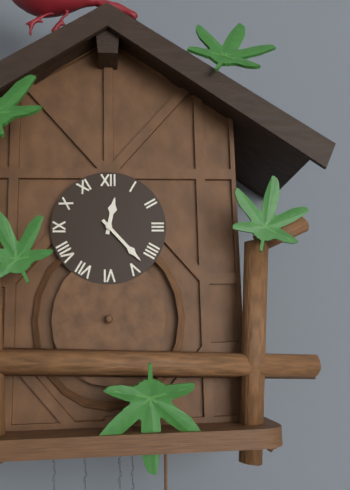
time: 12:23
